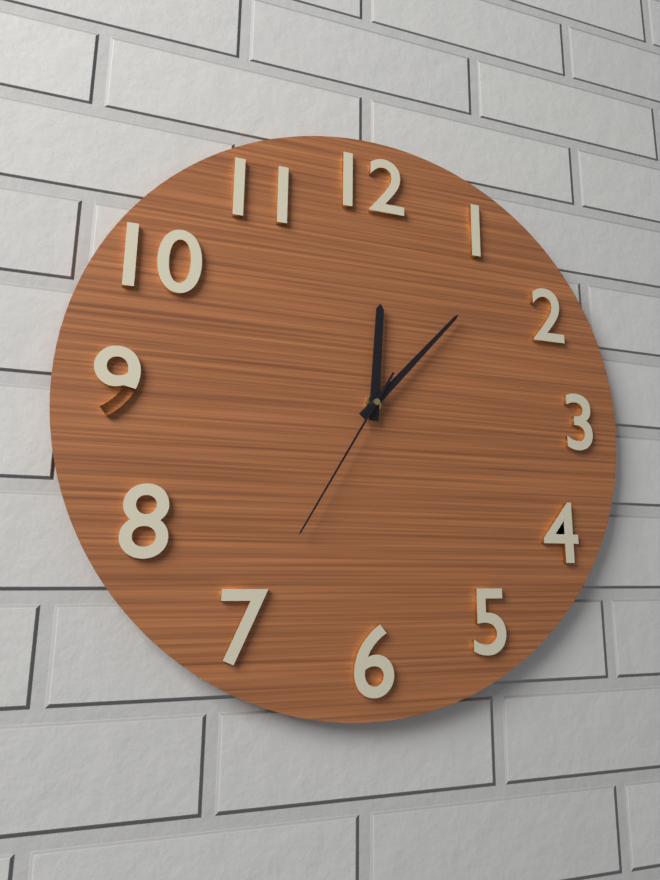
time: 12:07:35
